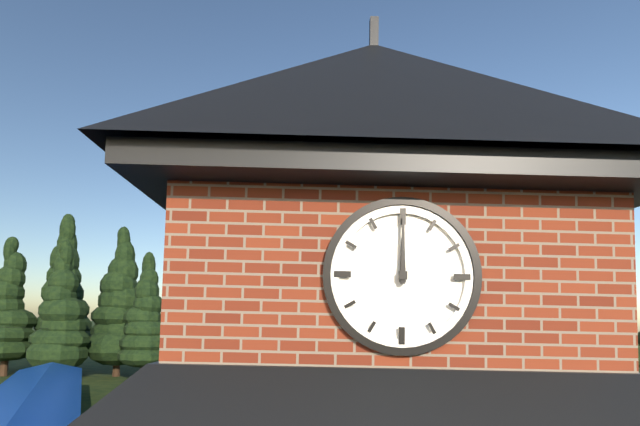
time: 12:00
